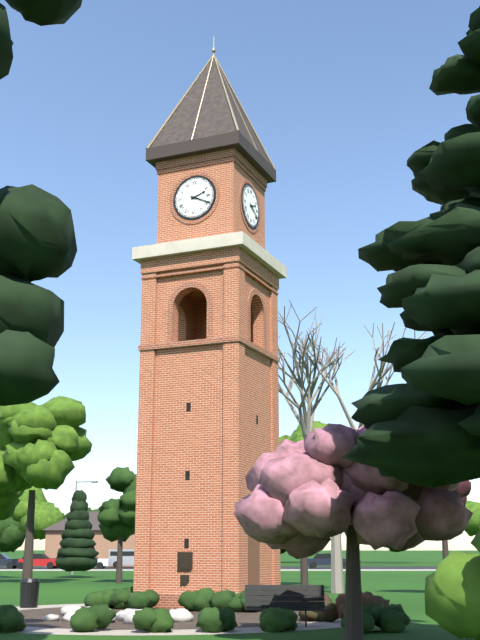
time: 2:19
